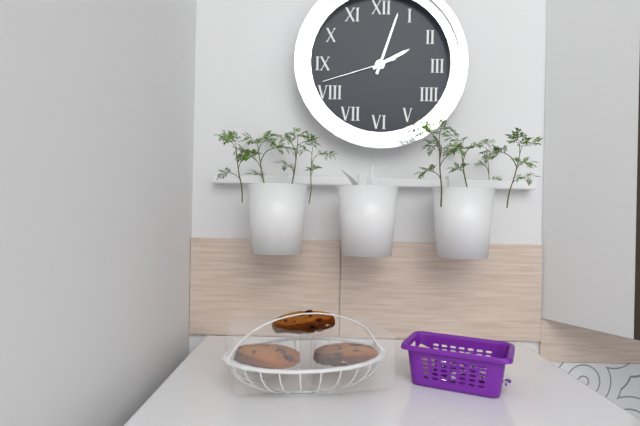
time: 2:03:42
